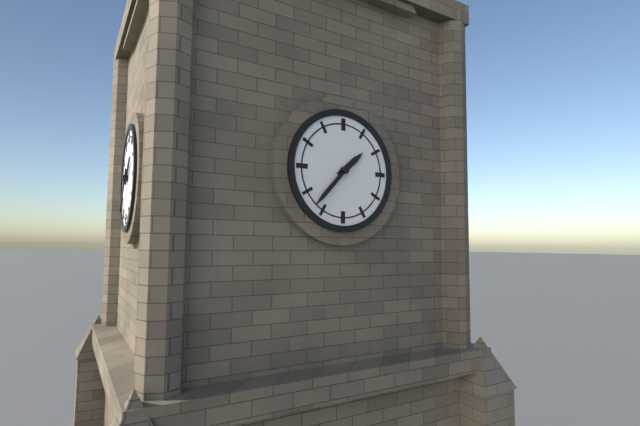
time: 1:37
